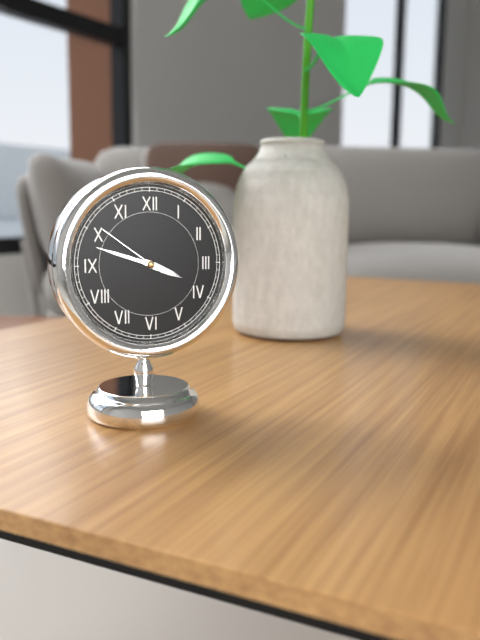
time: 3:48:51
